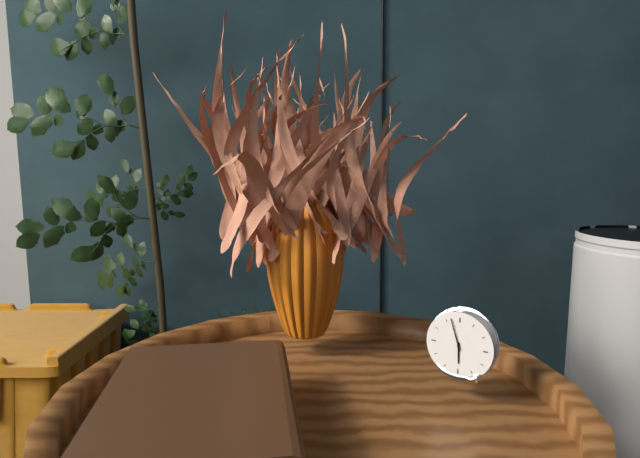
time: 5:57
